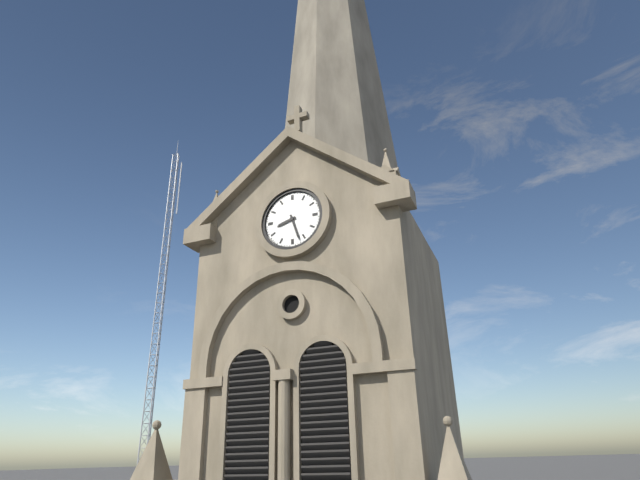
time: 8:27
